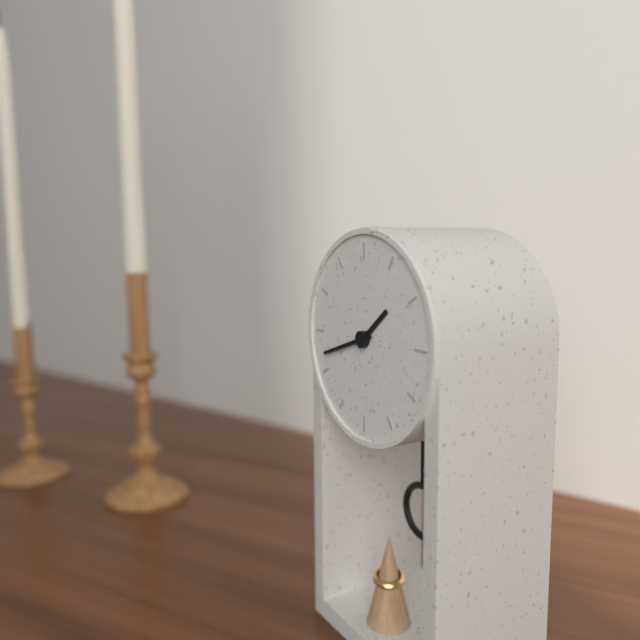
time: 1:42
